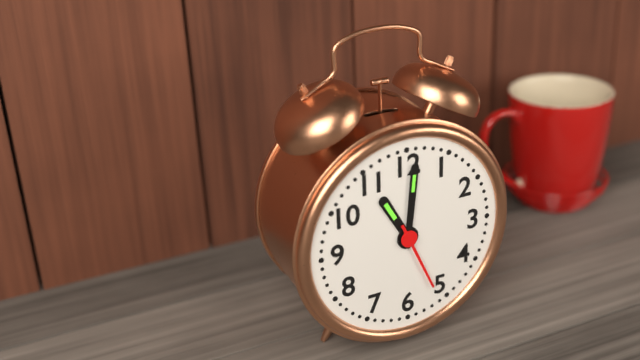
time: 11:01:26
